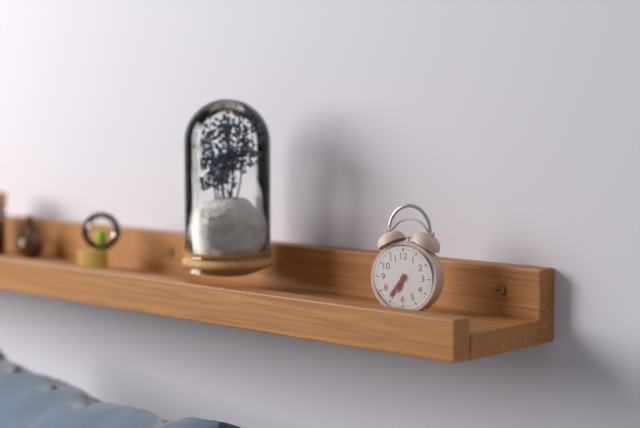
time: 6:36
